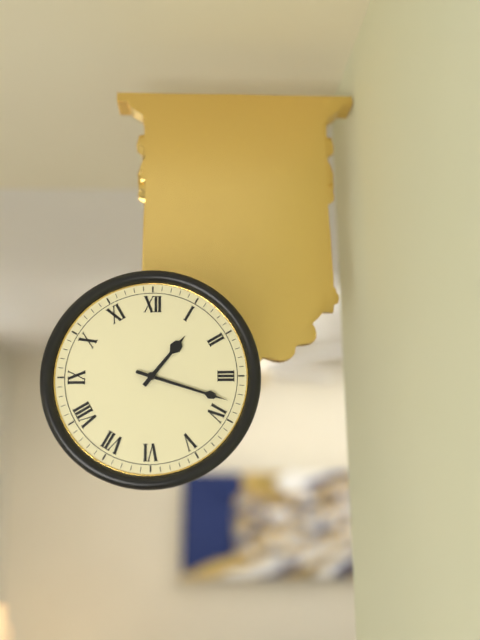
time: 1:18
